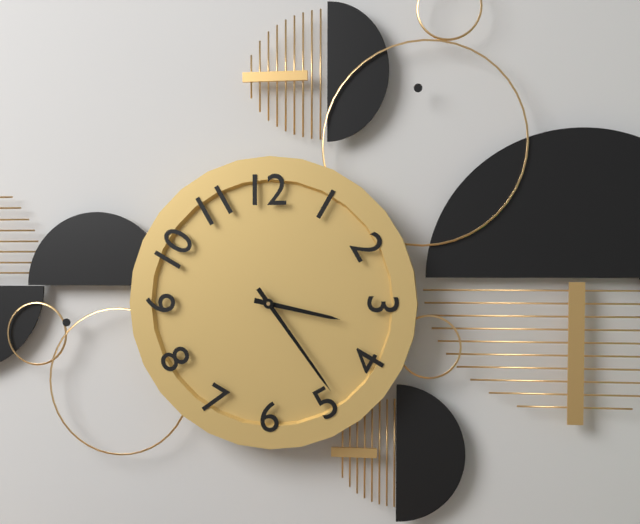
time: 3:24
